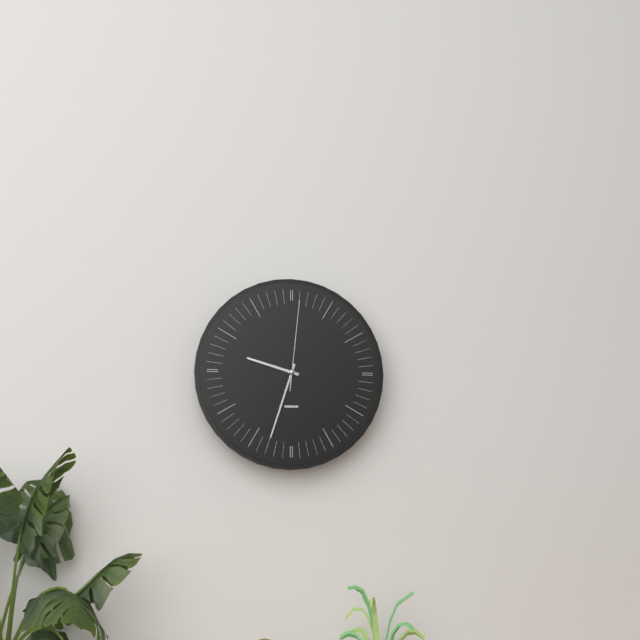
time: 9:33:01
